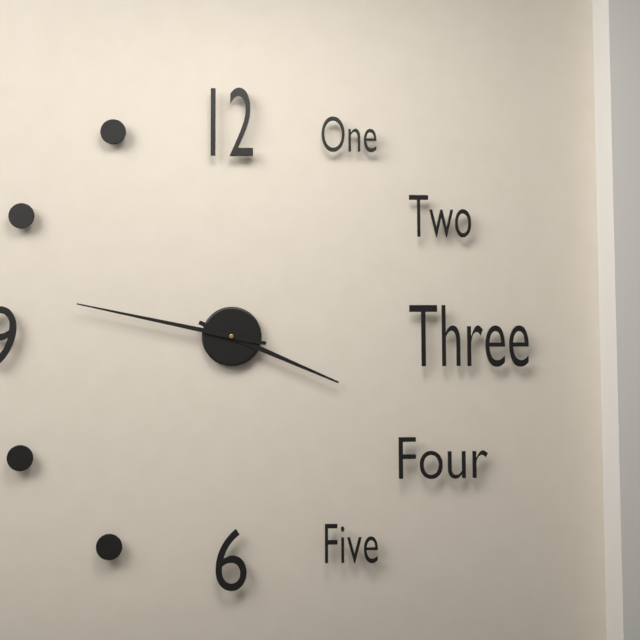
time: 3:47
